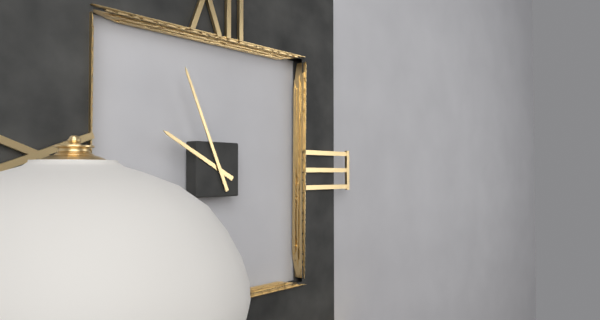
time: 9:56
